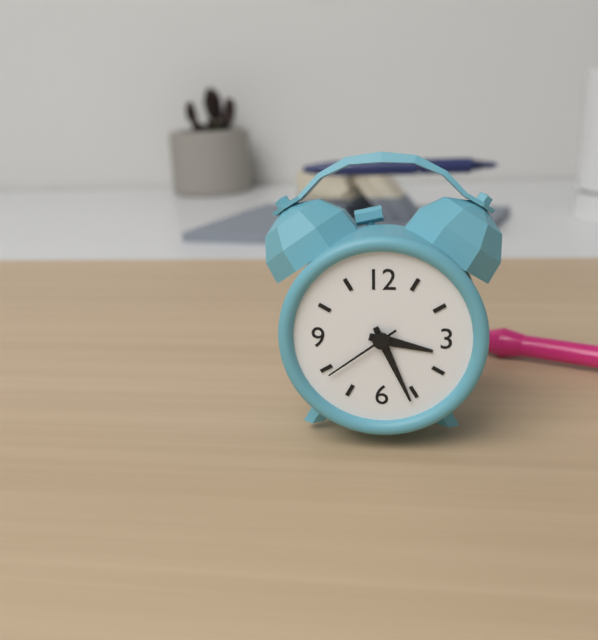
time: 3:26:39
